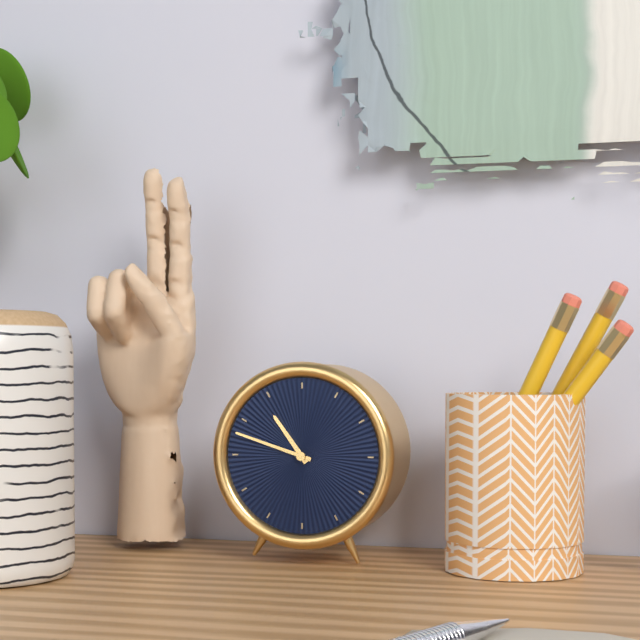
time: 10:48
